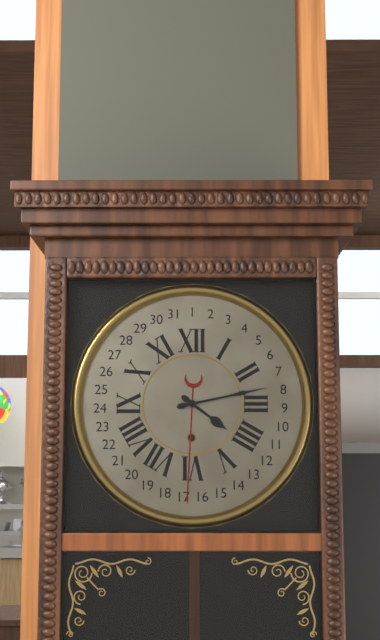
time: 4:13
